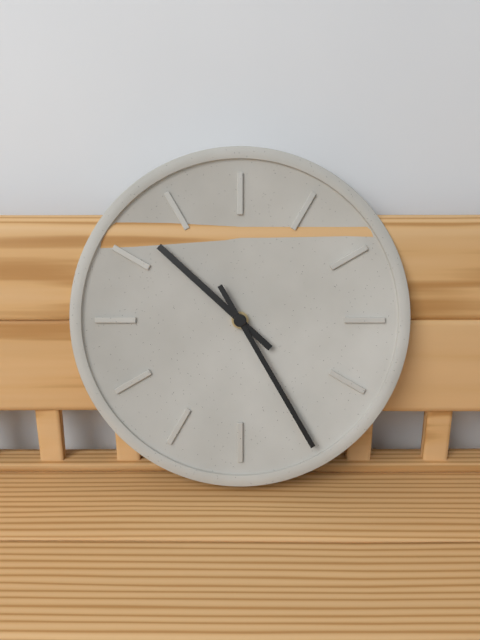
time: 10:25
